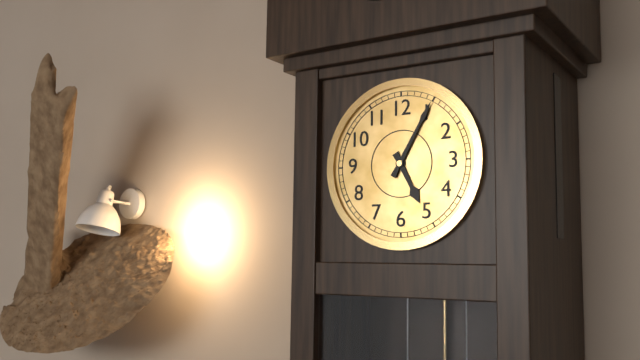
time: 5:05
